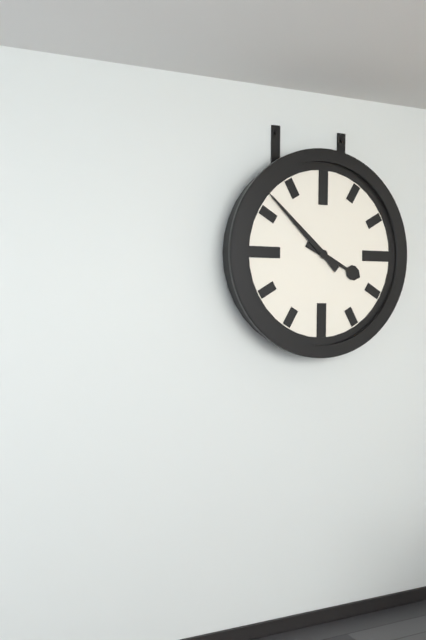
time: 3:52
